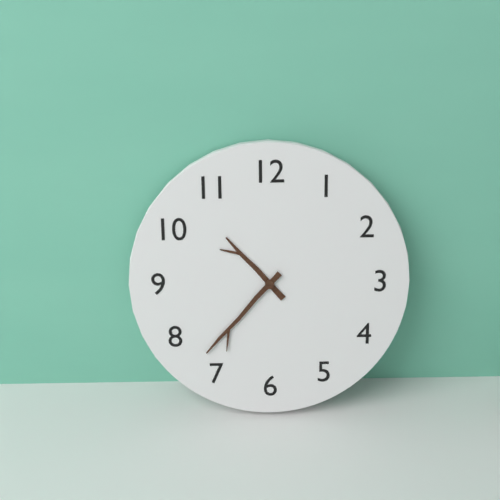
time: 10:37
